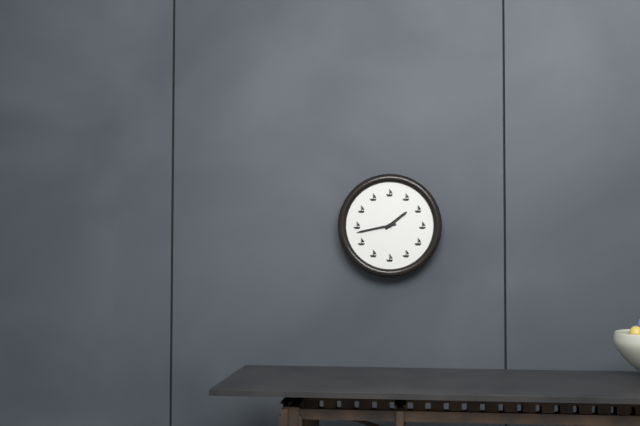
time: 1:43
